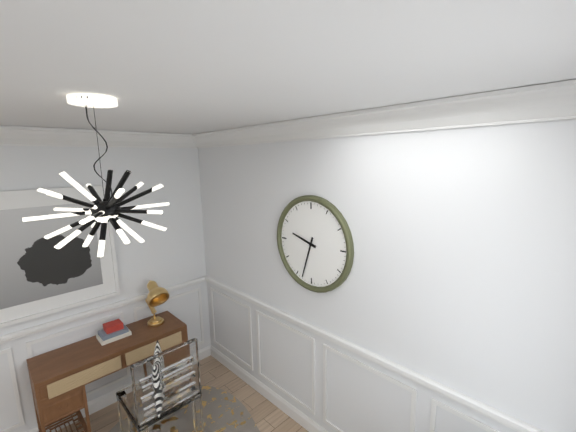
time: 9:33
